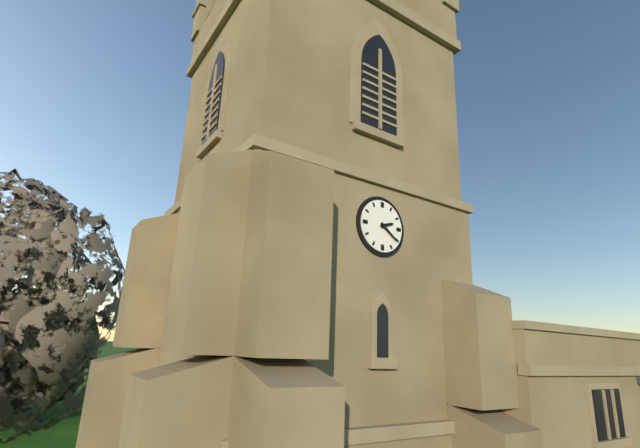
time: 2:21
